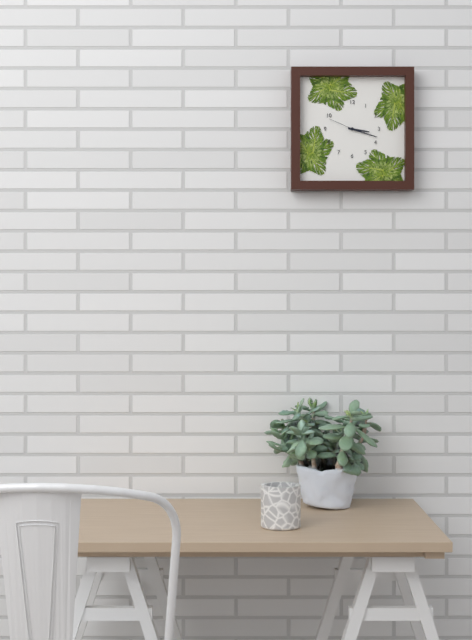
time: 3:18
